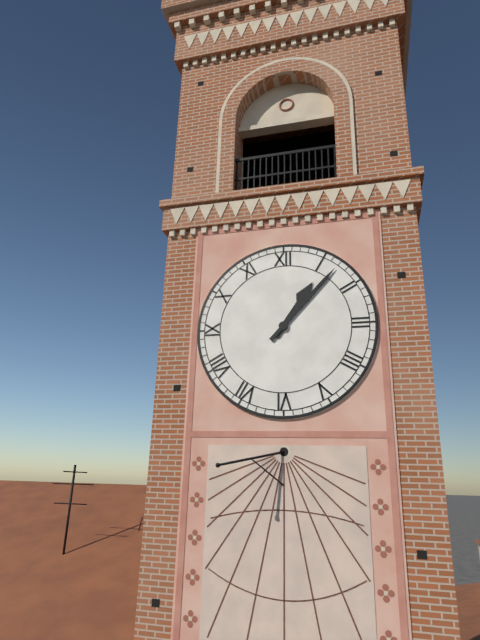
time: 1:07
